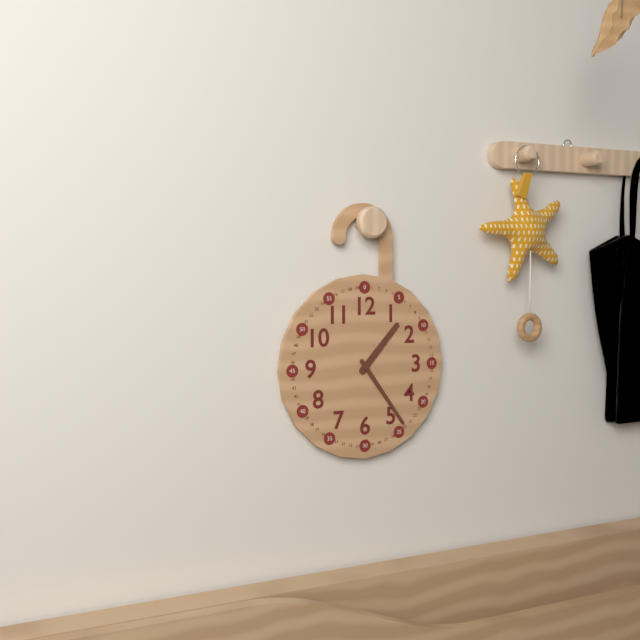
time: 1:24
